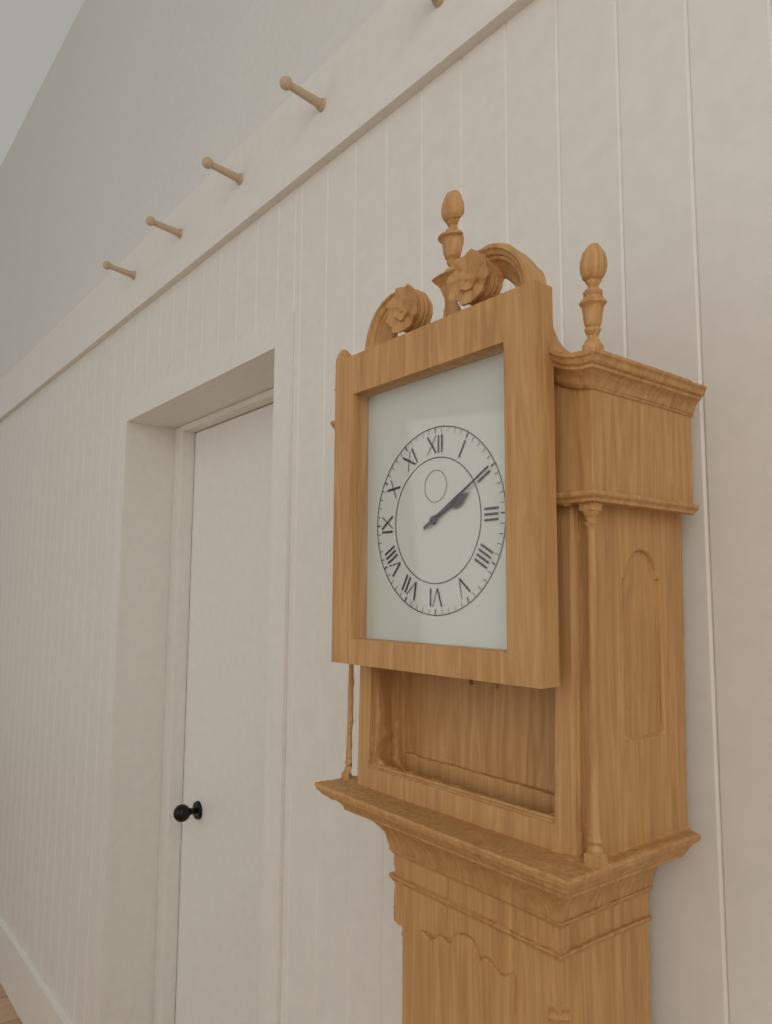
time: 2:10
